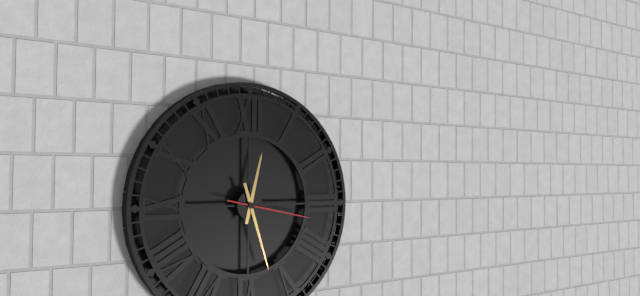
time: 12:27:17
